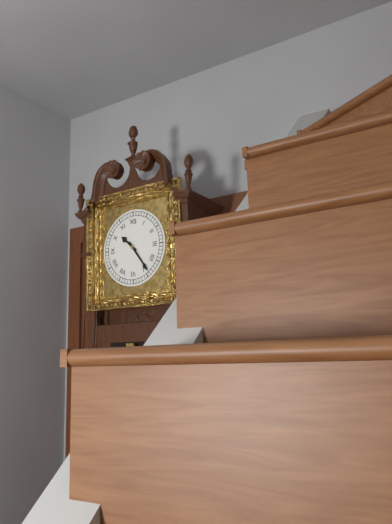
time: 10:24
